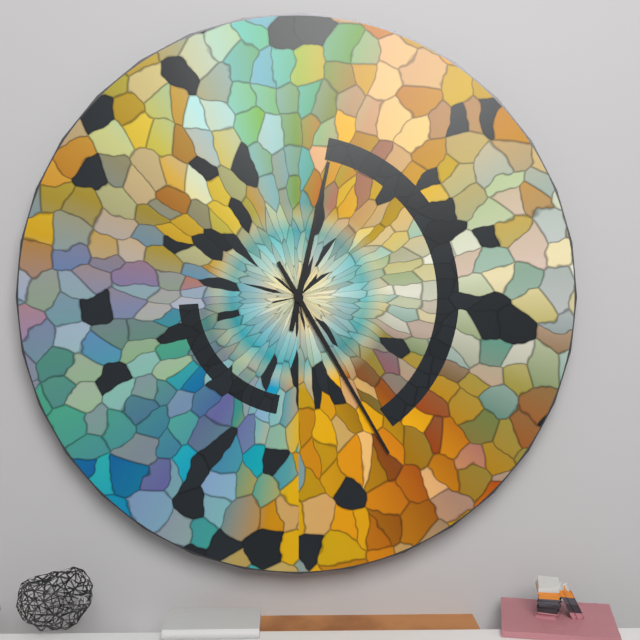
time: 12:25
